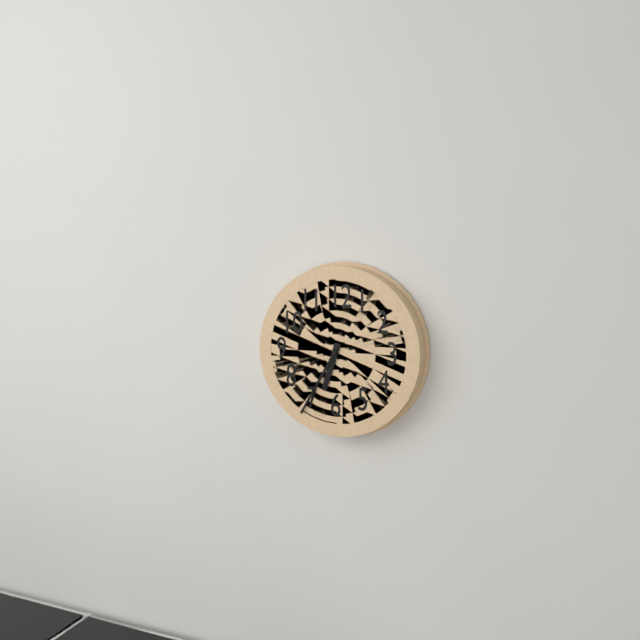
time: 6:35
